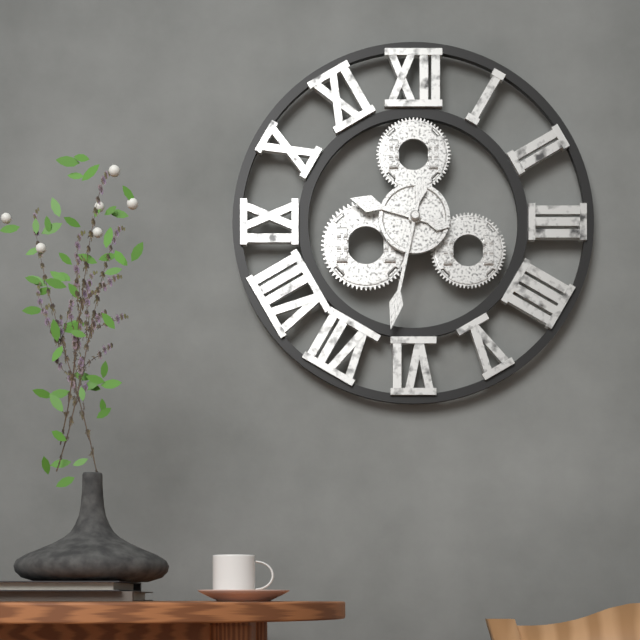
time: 9:32
